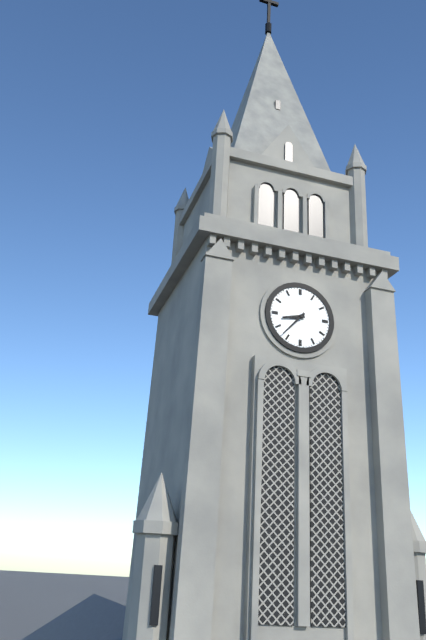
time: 8:37
